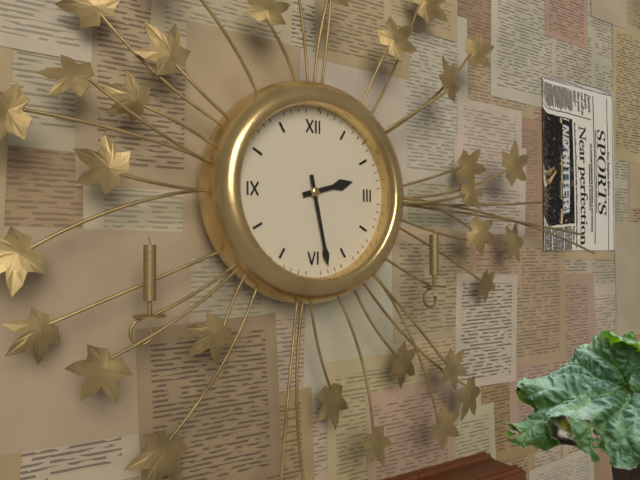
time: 2:28
